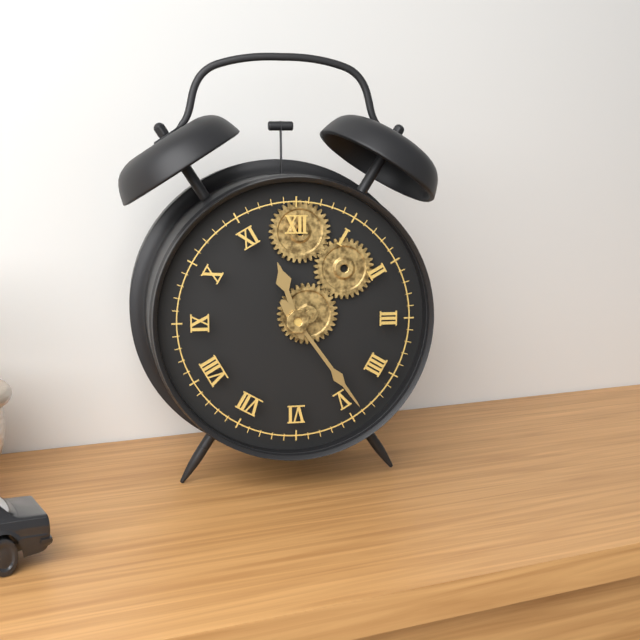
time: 11:24
